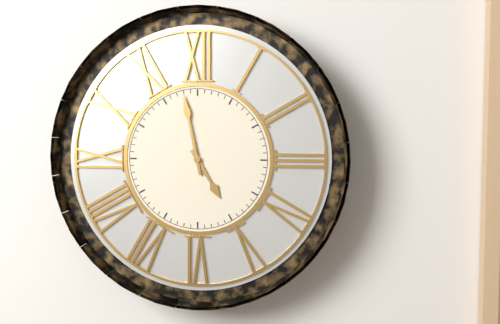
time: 4:58
